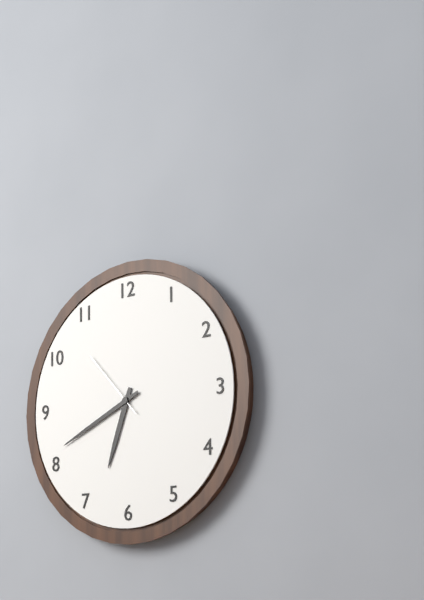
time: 6:41:53
